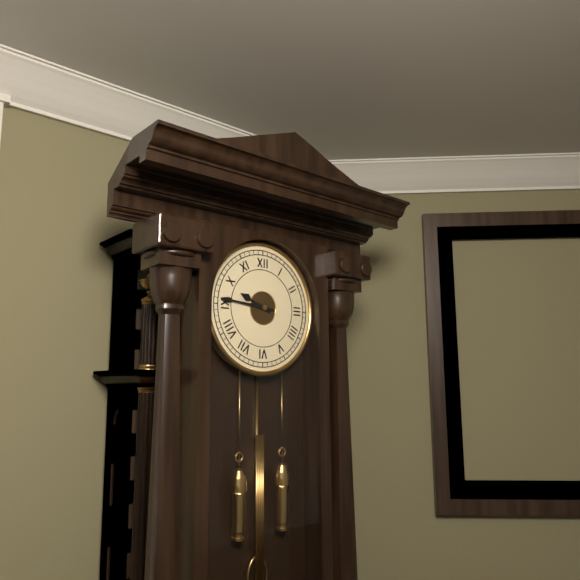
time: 9:46
